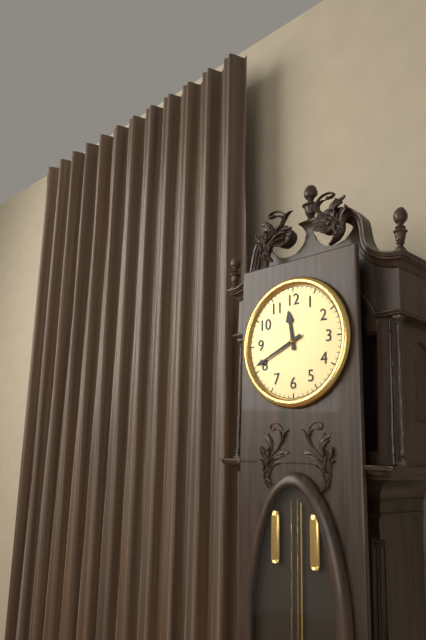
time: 11:41
